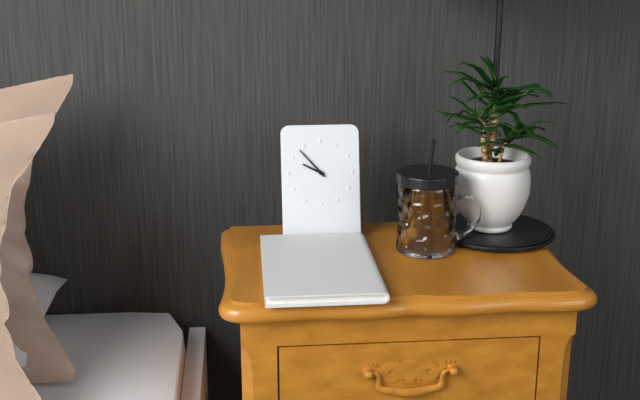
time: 9:53
